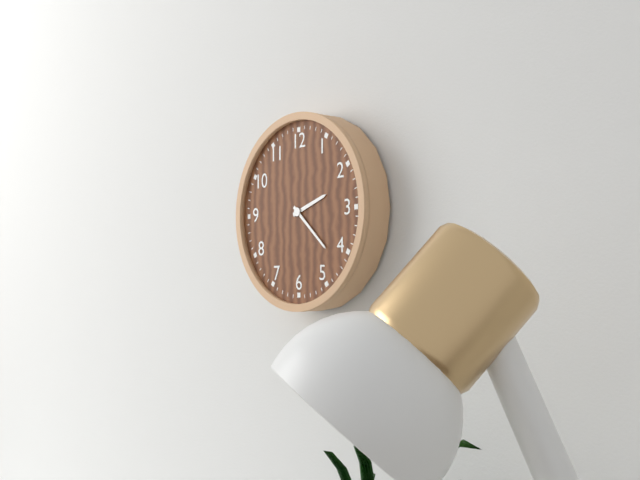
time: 2:22
